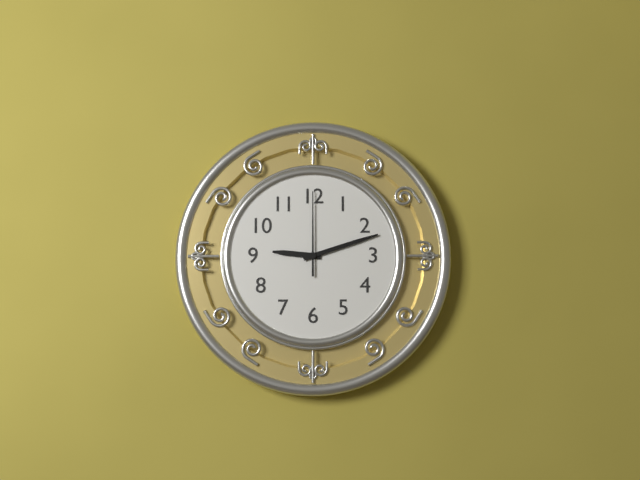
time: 9:12:00
